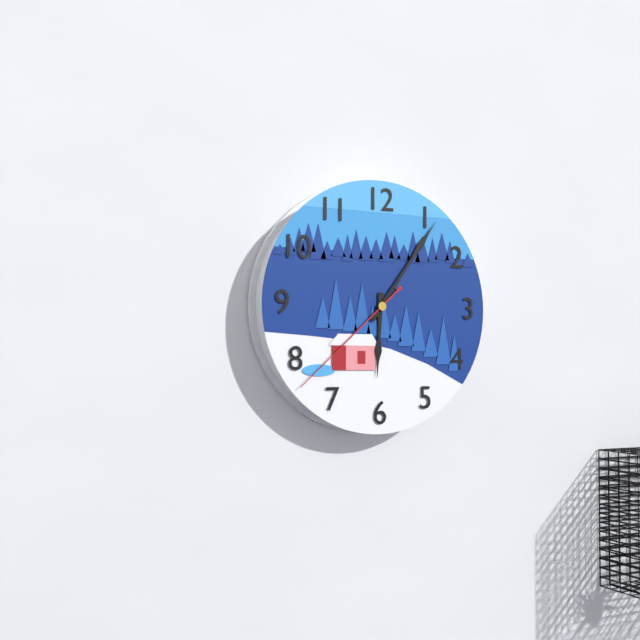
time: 6:06:38
